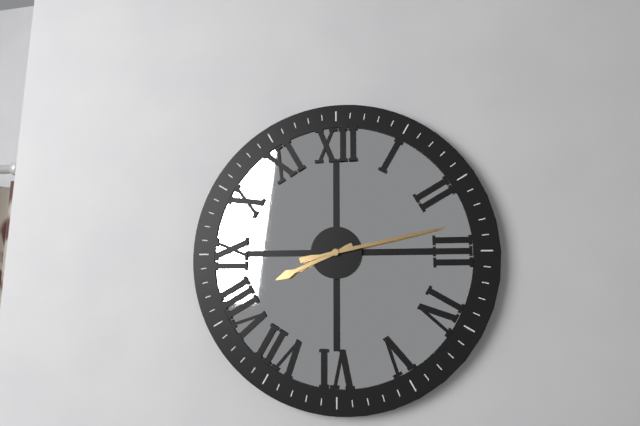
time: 8:13
